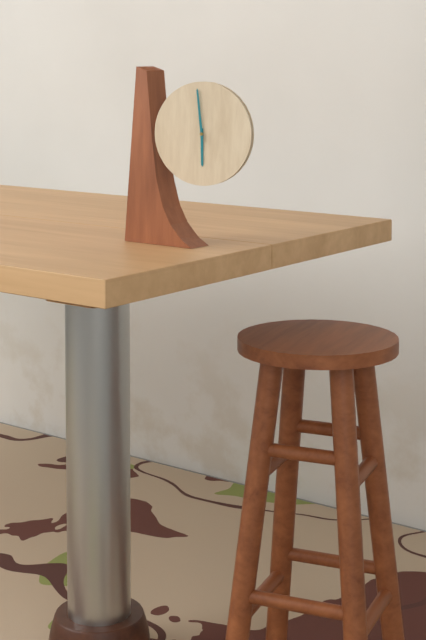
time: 5:59
